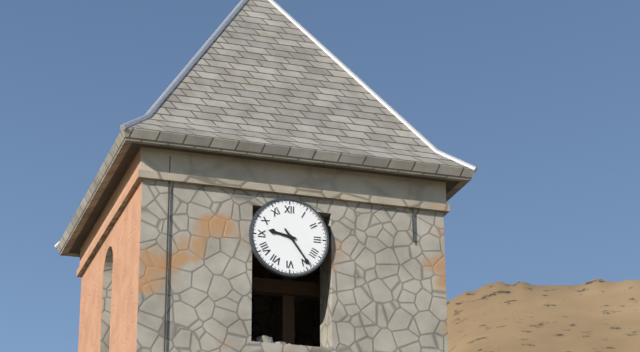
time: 9:24
